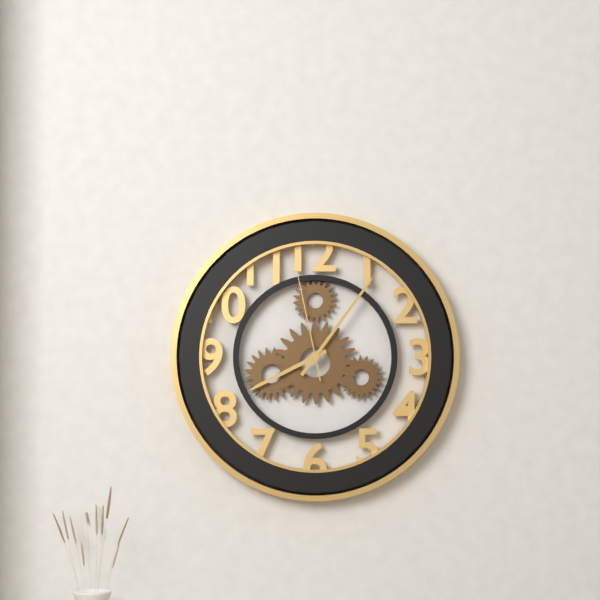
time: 8:06:58
